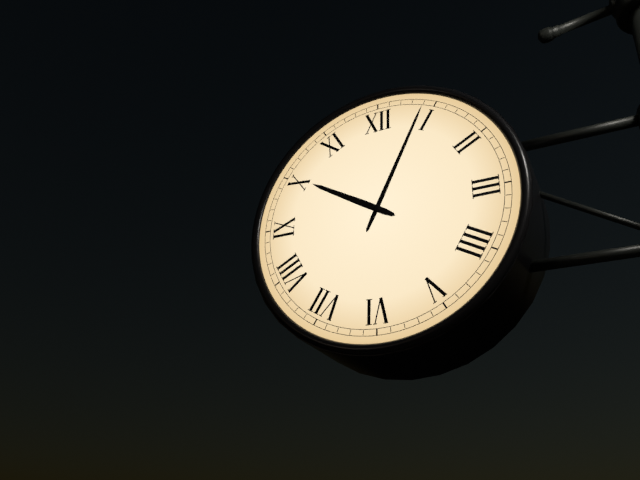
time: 10:04
